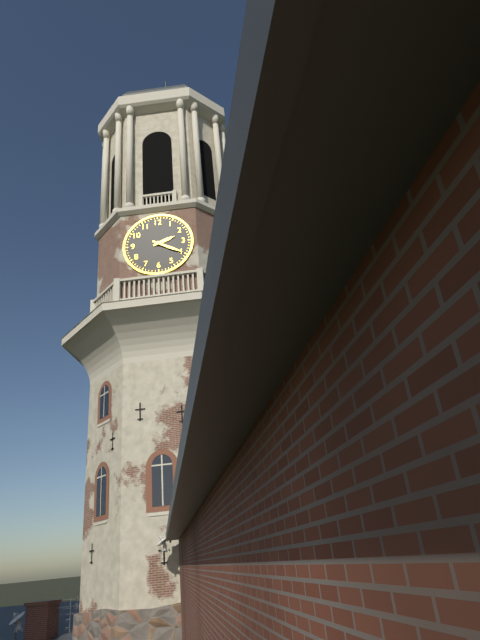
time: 2:20
